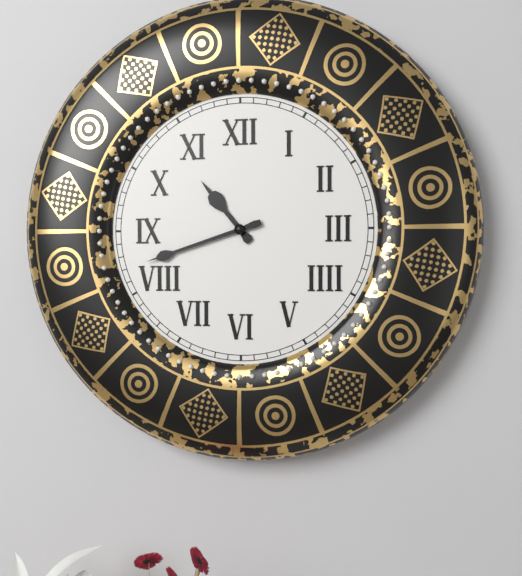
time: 10:42
